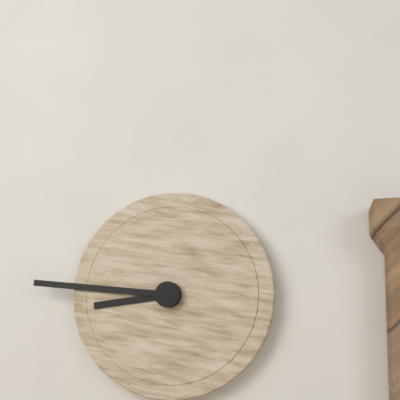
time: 8:46
